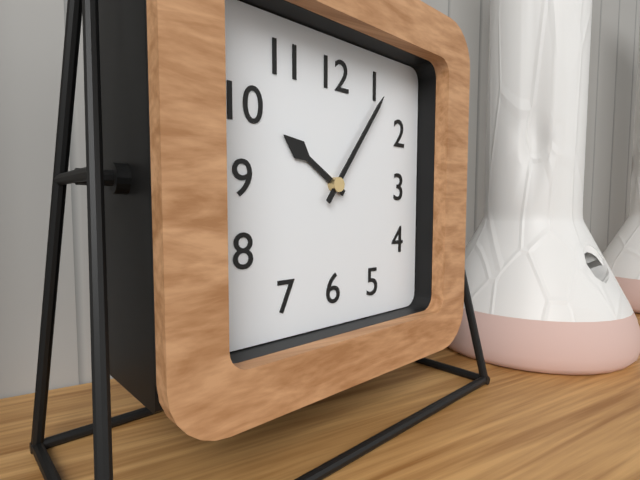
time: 10:06
